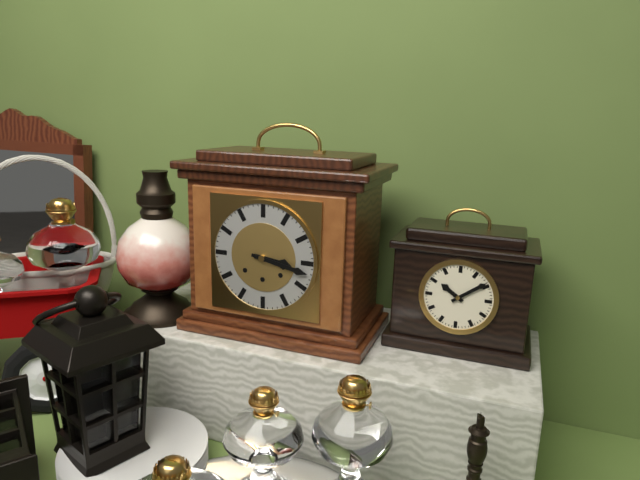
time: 3:17
